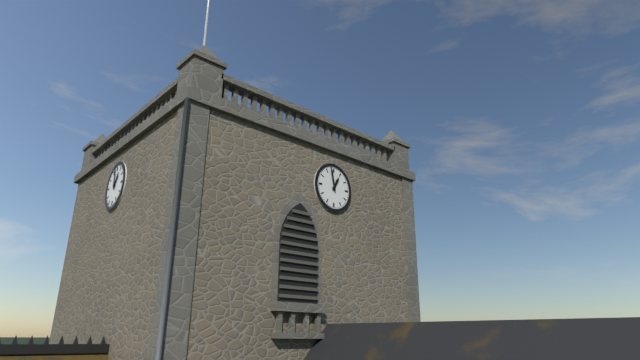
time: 12:58
